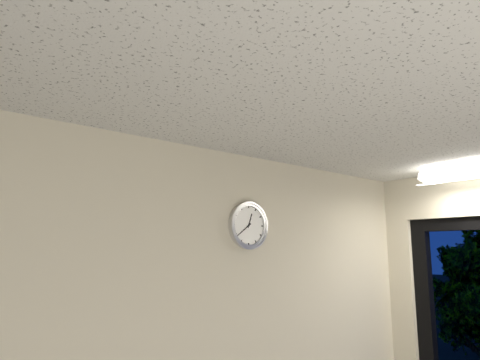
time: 12:39
